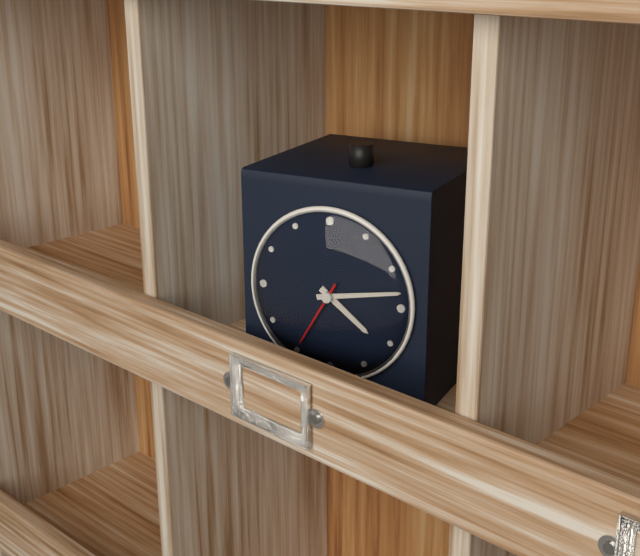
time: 4:13:35
